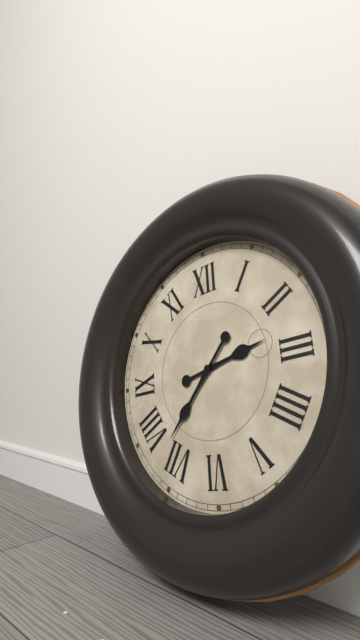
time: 2:37
